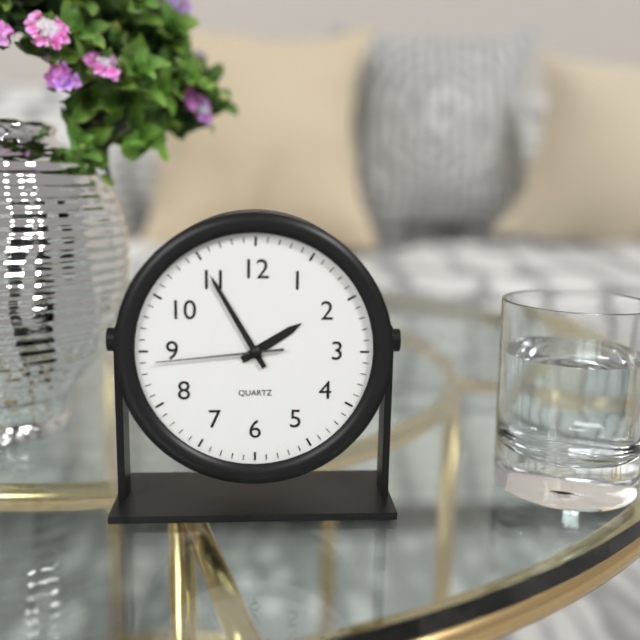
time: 1:55:44
